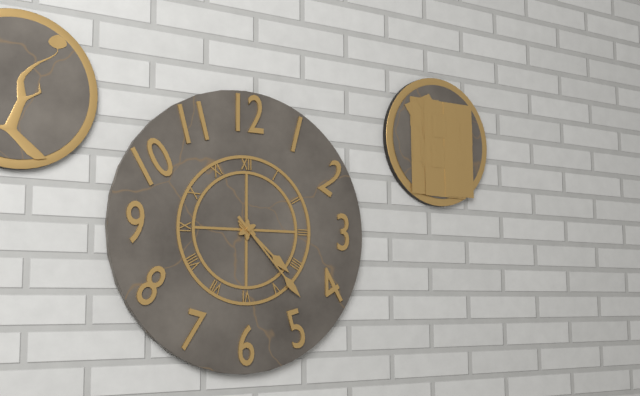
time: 4:23
